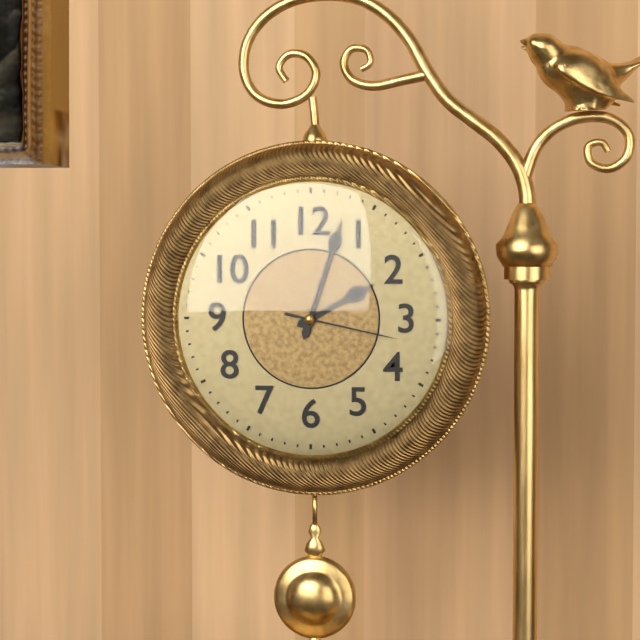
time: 2:03:17
